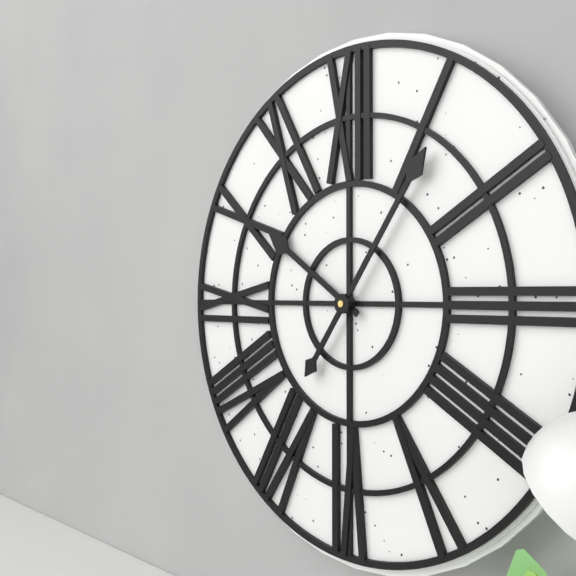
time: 10:06
